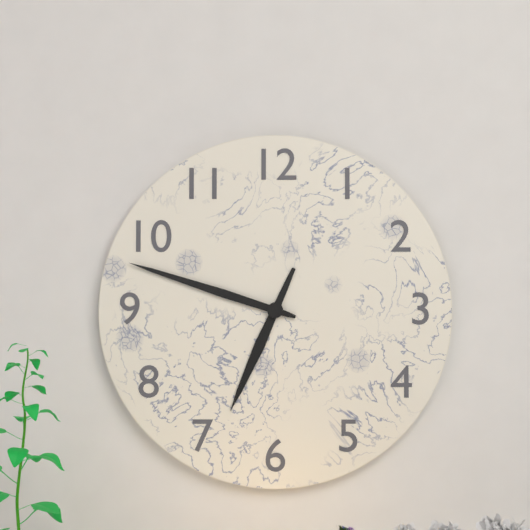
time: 6:48
